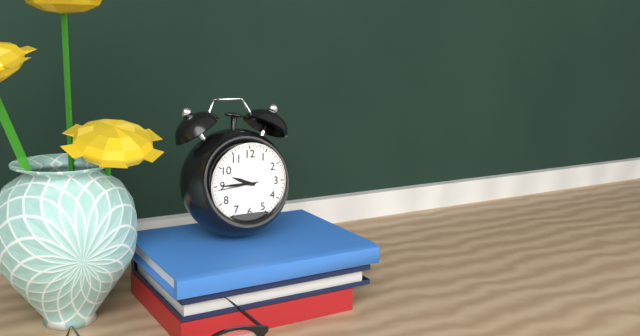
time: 9:45
